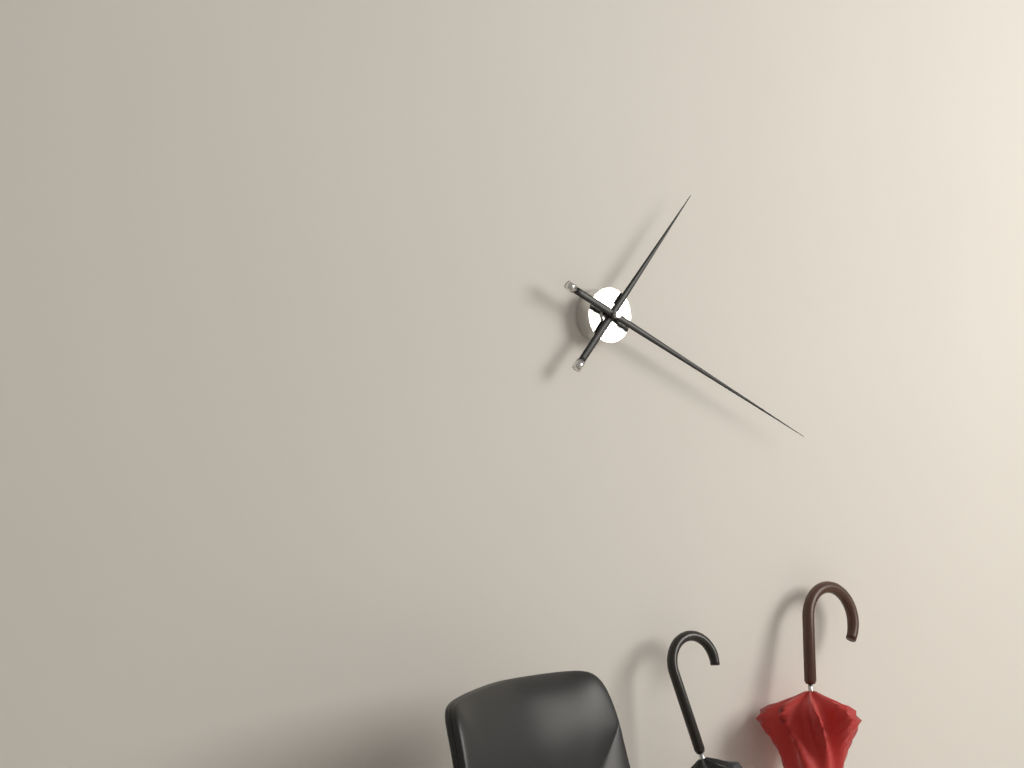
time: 1:19
